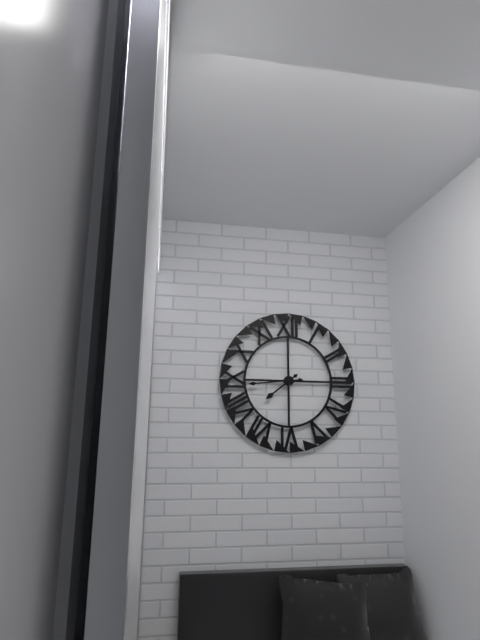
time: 7:44
